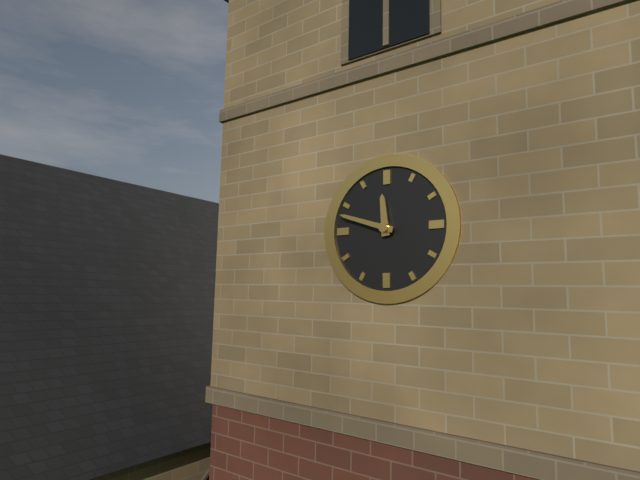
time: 11:48
